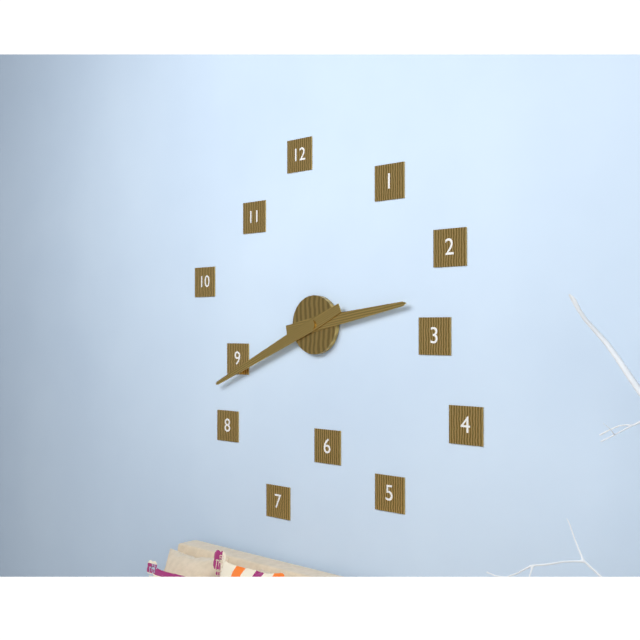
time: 2:41
